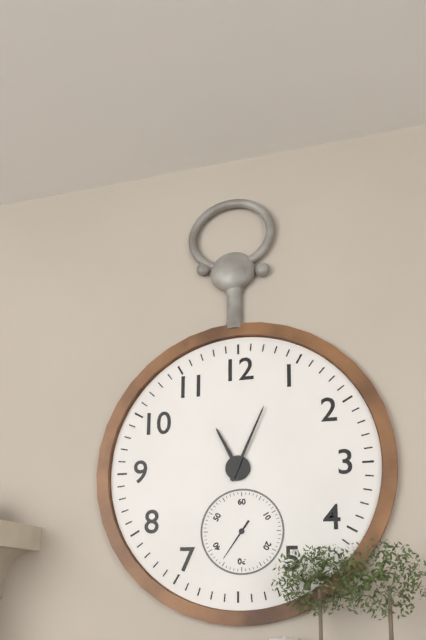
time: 11:04
